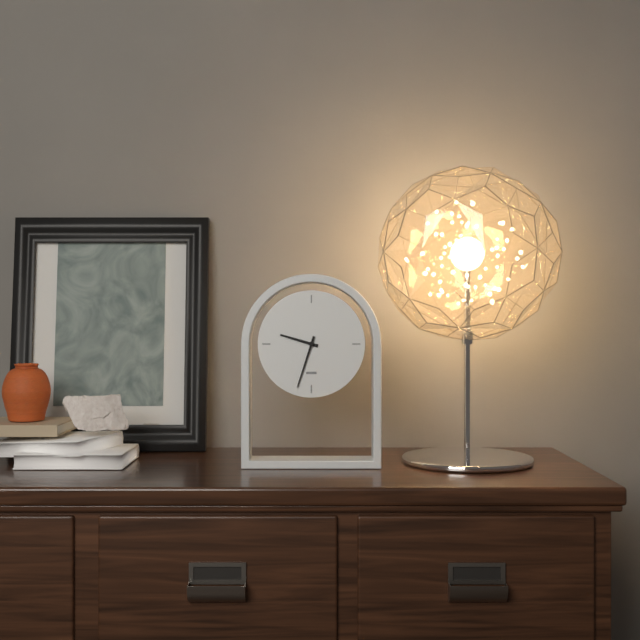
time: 9:33
